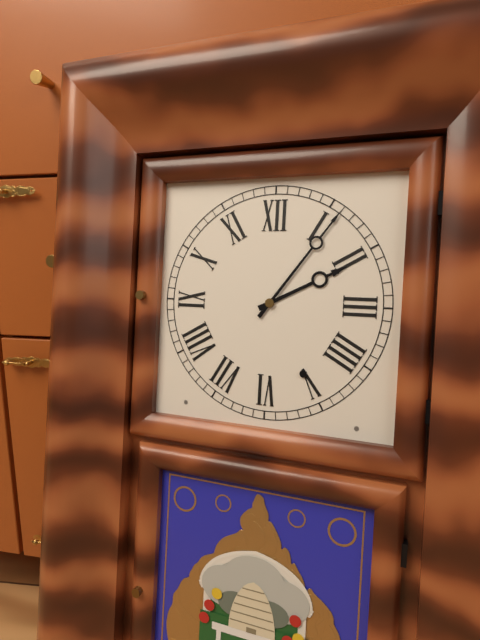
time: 2:06
